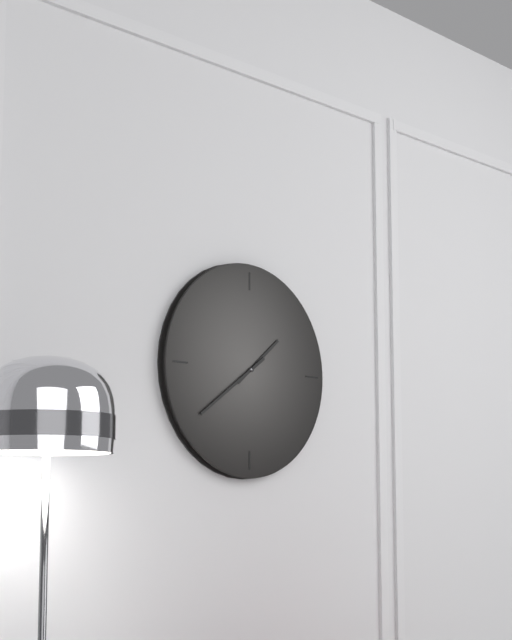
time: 1:39
